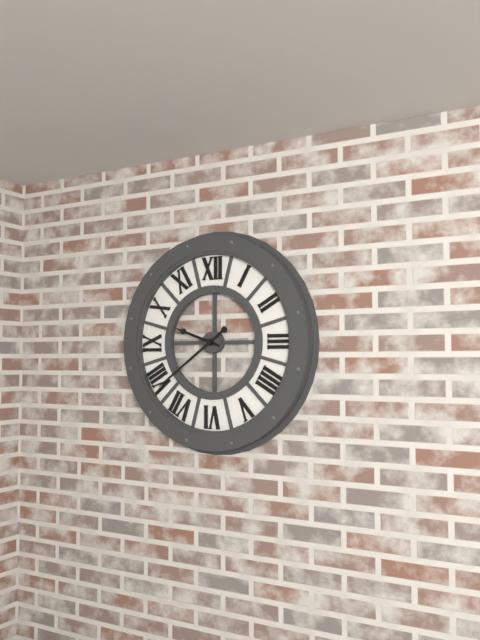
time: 9:39
